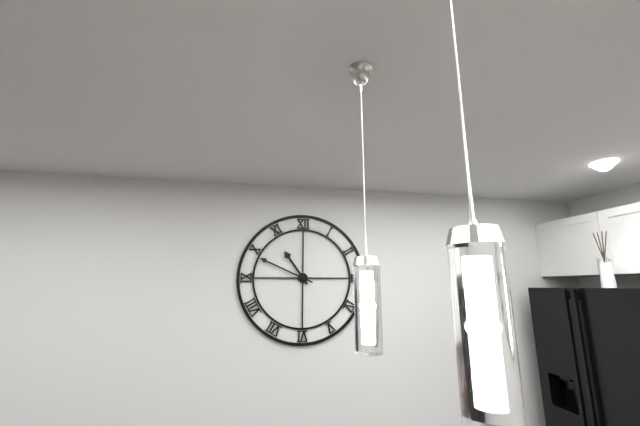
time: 10:49
